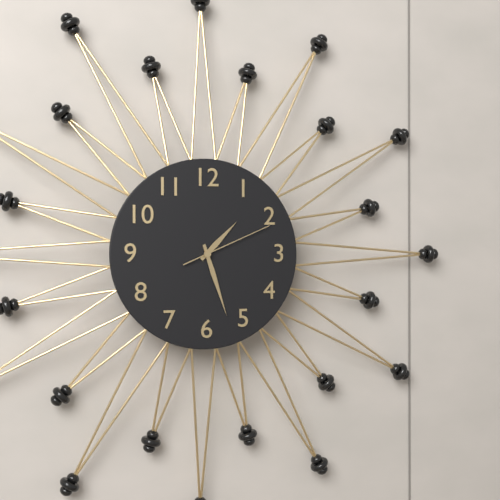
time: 1:27:11
